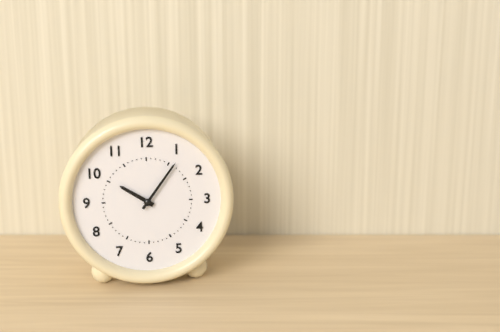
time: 10:06
